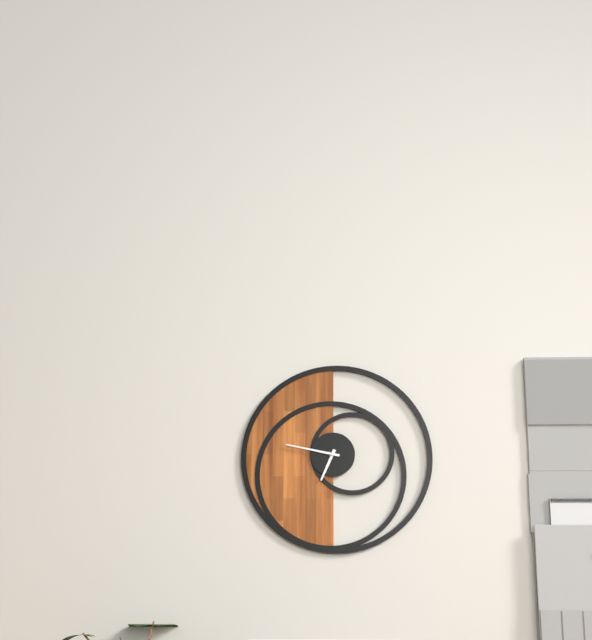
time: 6:47
